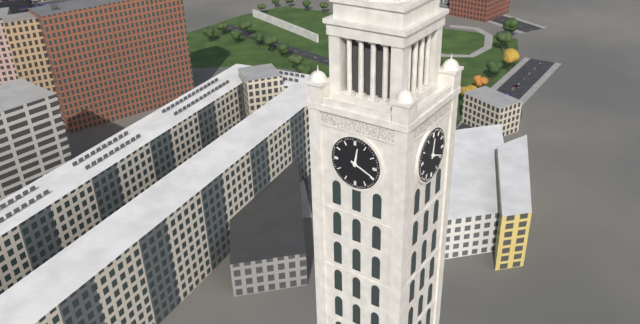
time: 12:19
